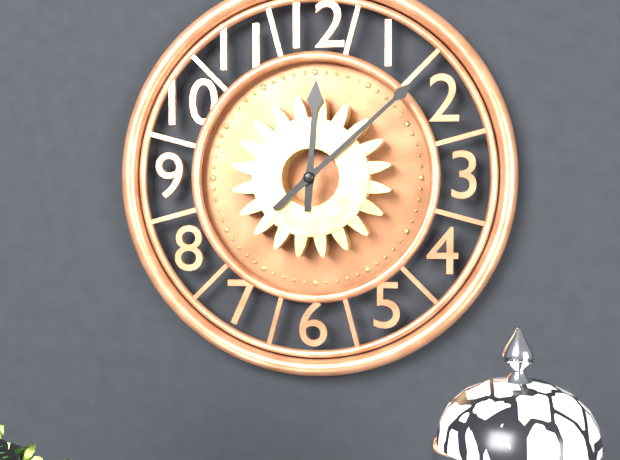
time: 12:08
